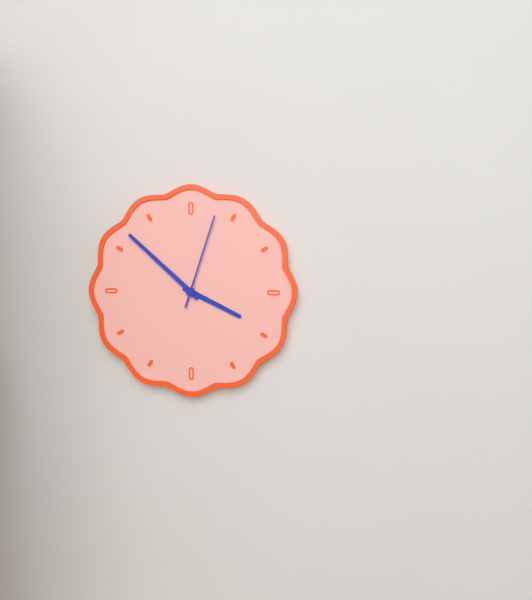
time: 3:52:03
